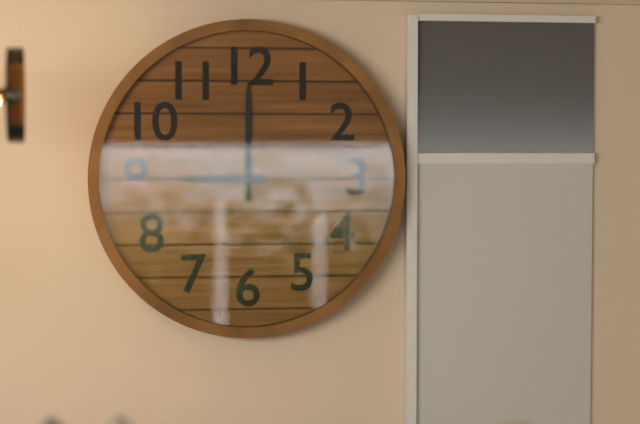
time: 9:00
